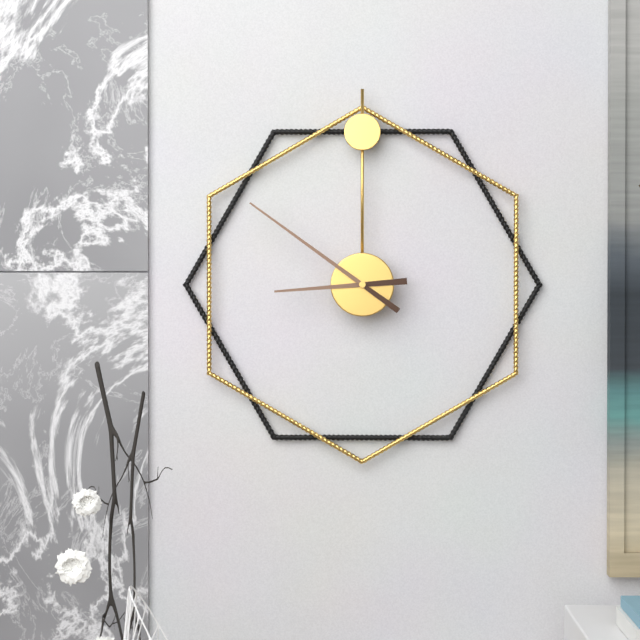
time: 8:51
